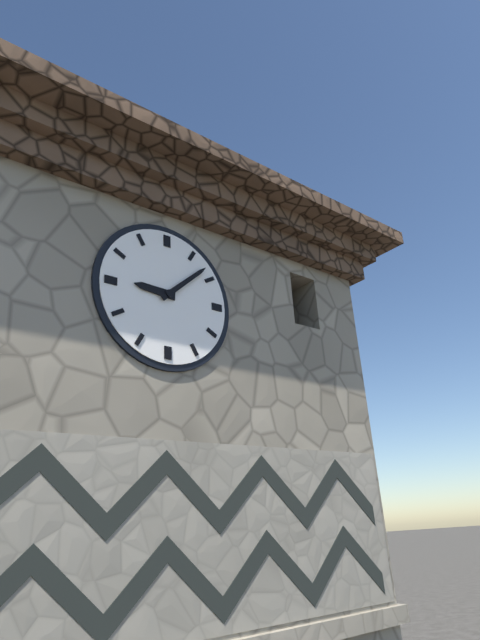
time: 9:08
